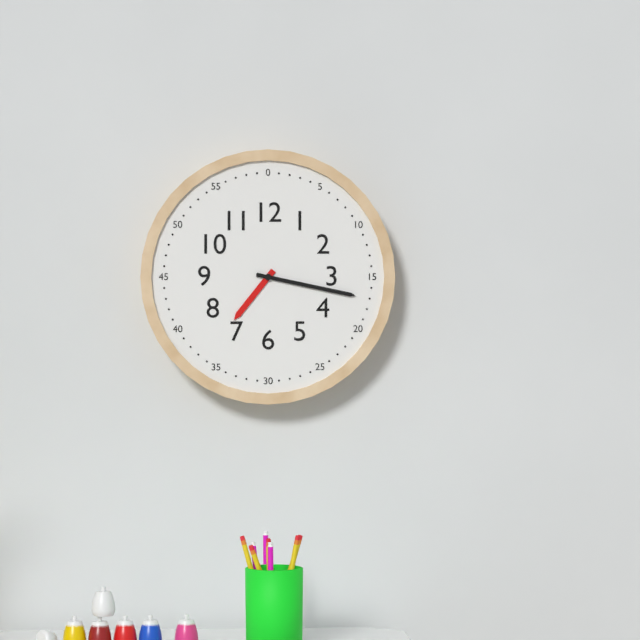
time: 7:17
